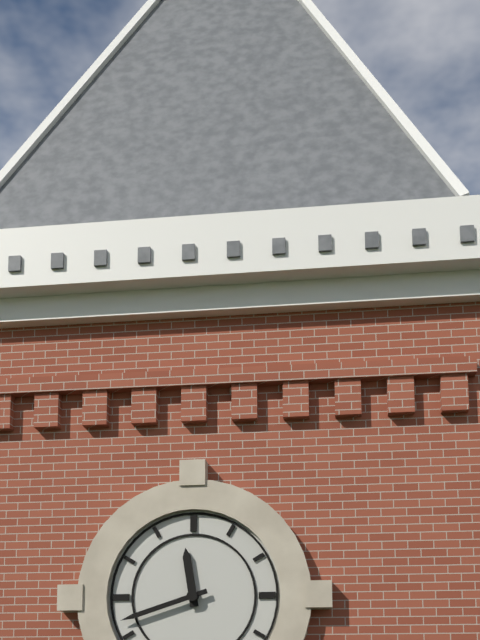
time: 11:42
